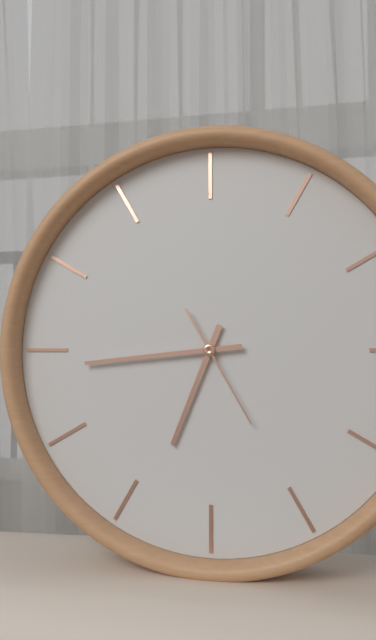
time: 6:44:25
